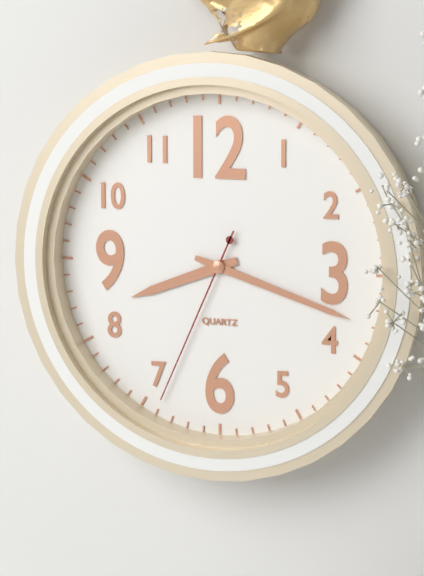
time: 8:18:34
